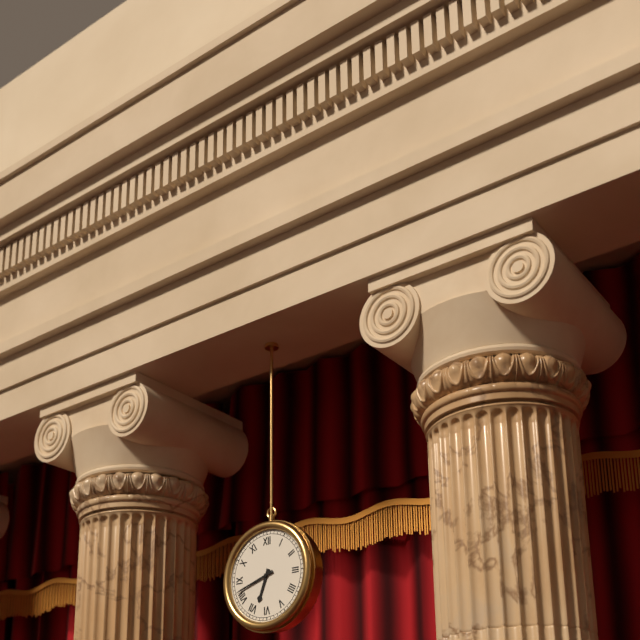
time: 6:42
